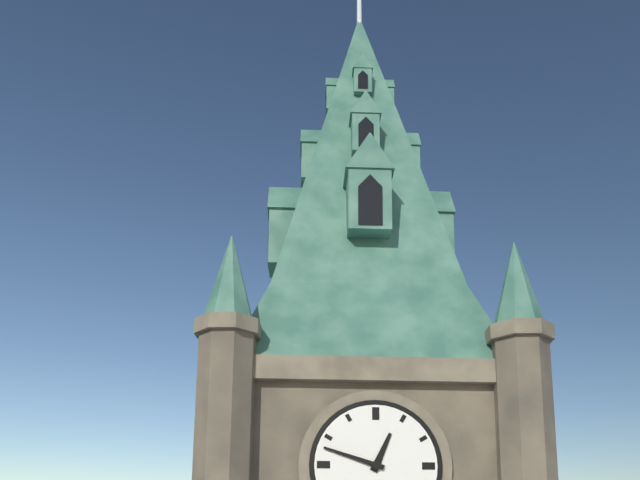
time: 12:48
